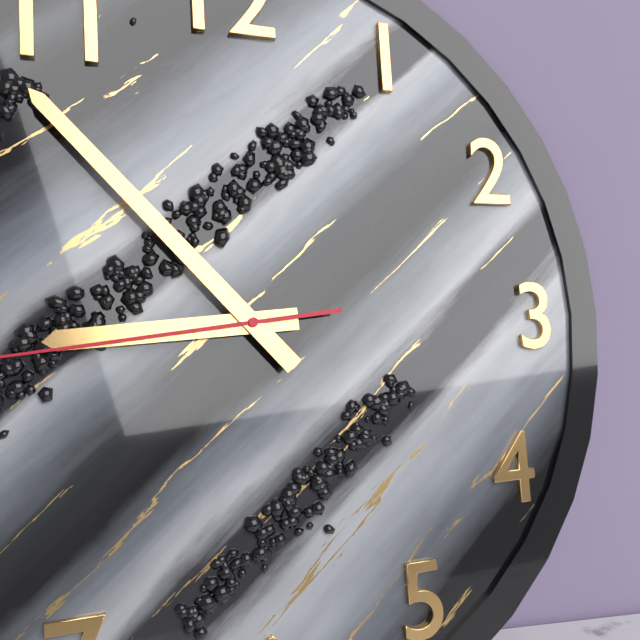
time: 8:53
